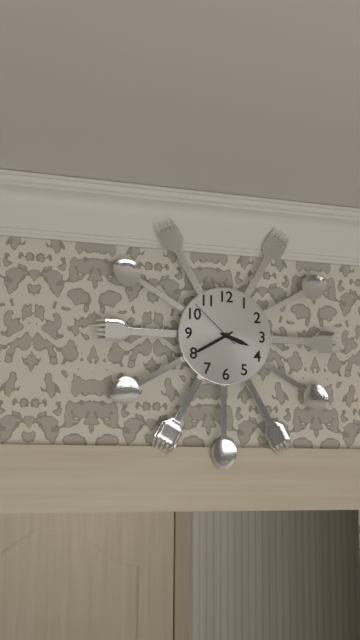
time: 3:40:52
